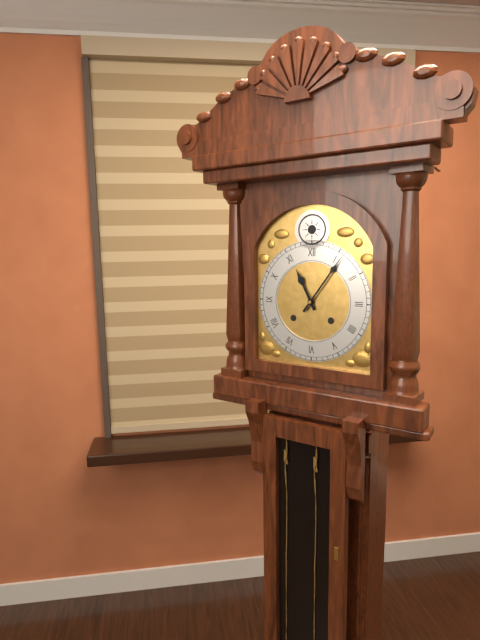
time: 11:06
